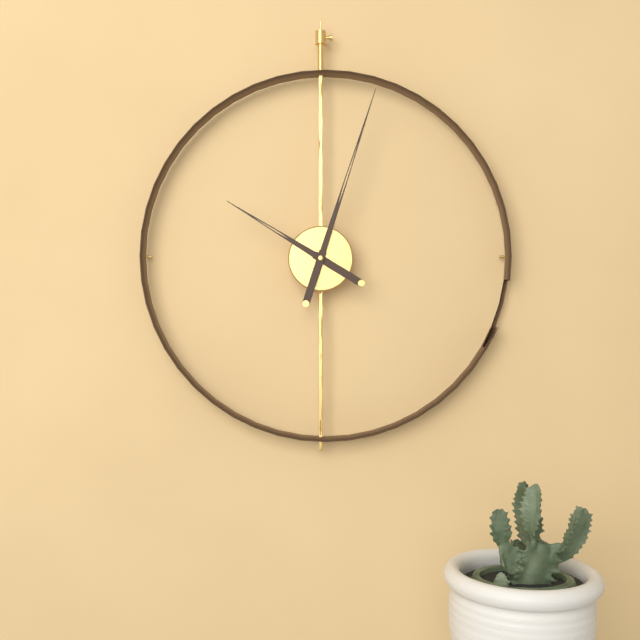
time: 10:03
